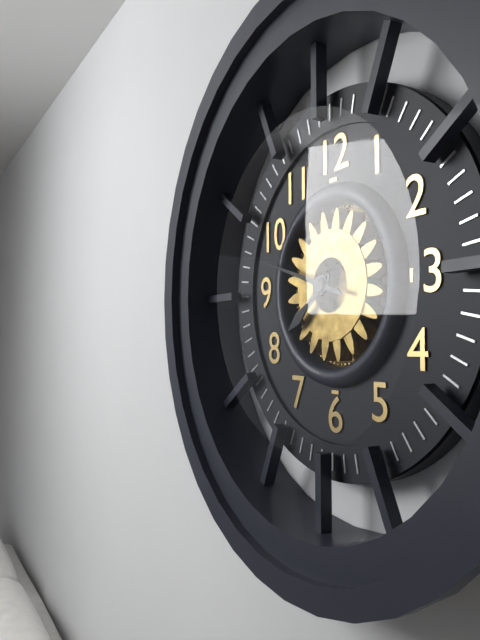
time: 7:48
